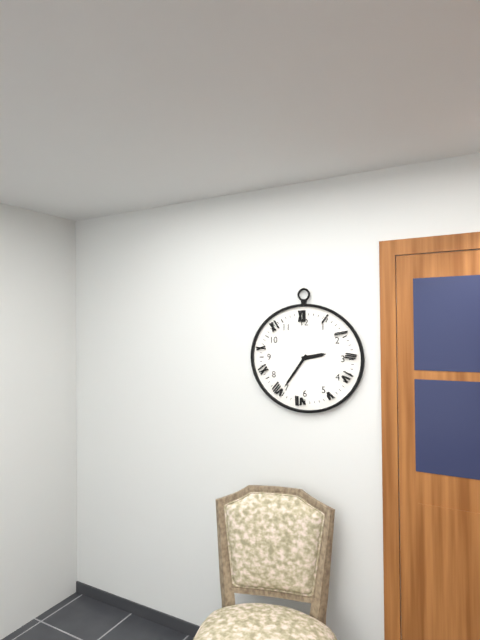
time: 2:36
